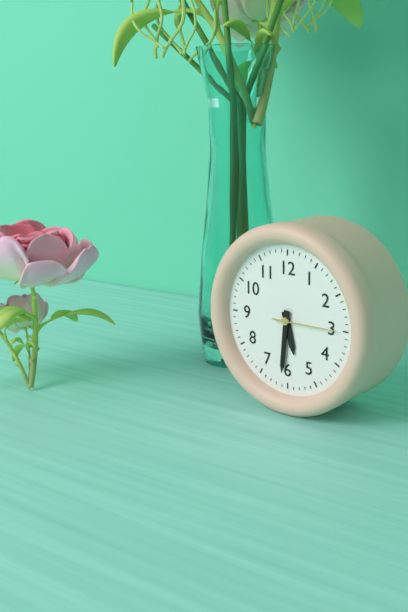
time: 5:31:15
